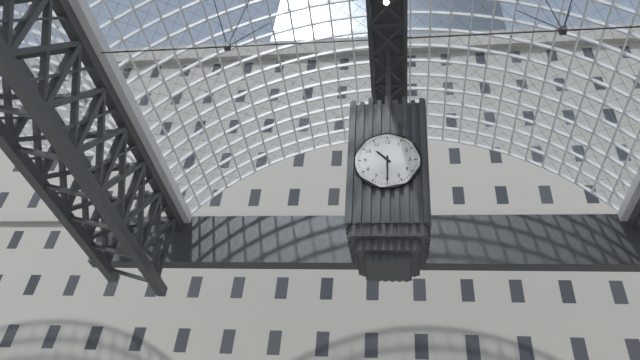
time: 10:30
